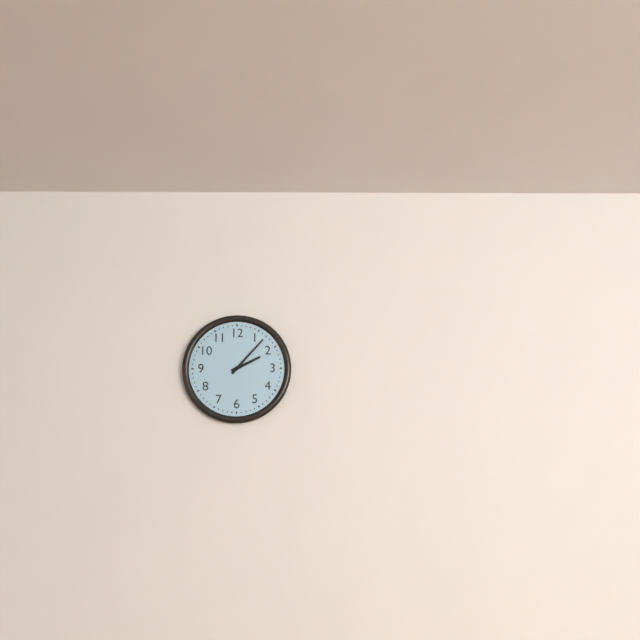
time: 2:07
